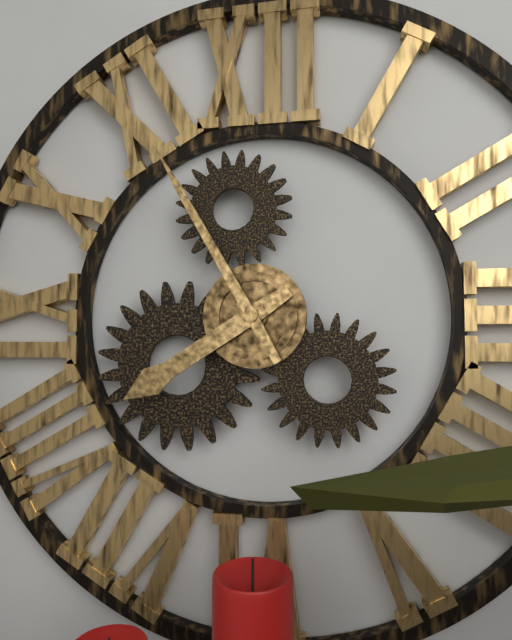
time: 7:55
